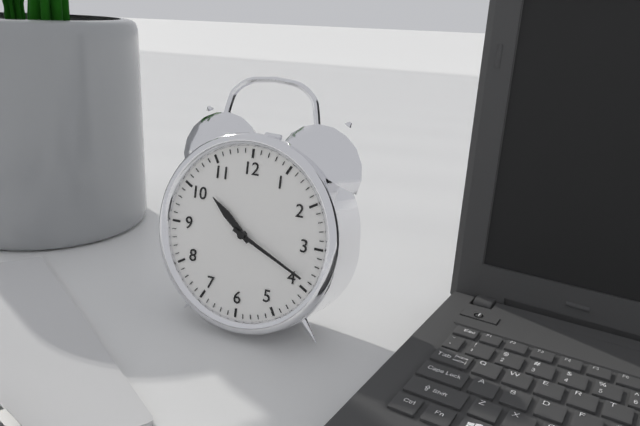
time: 10:19
